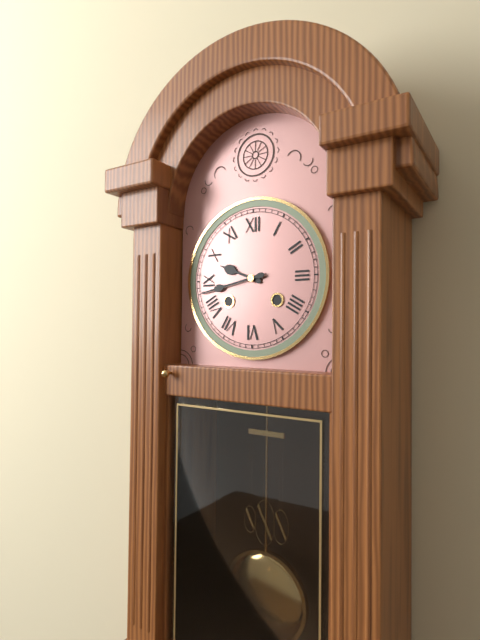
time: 9:43
